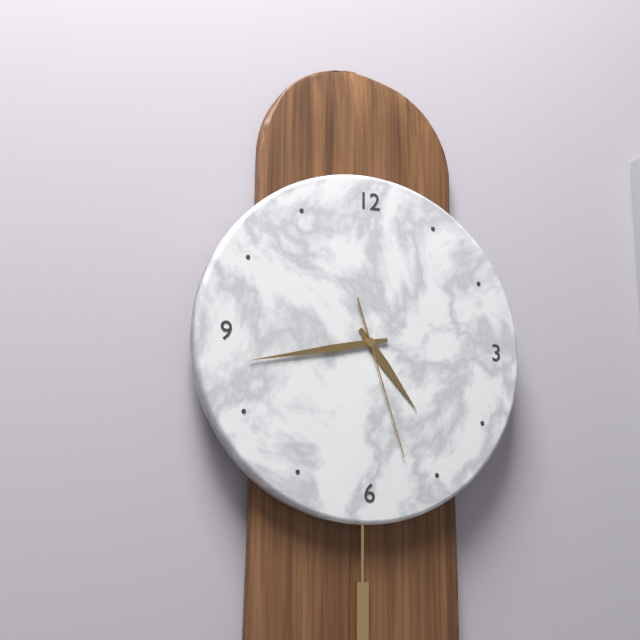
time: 4:43:27
